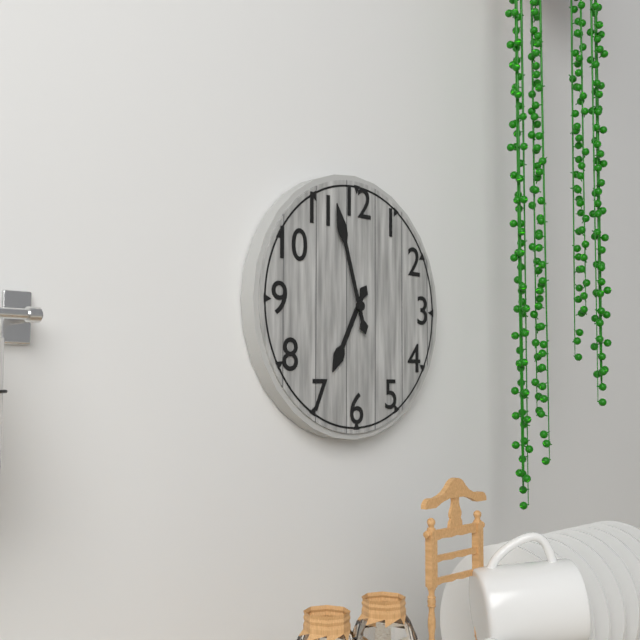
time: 6:57
